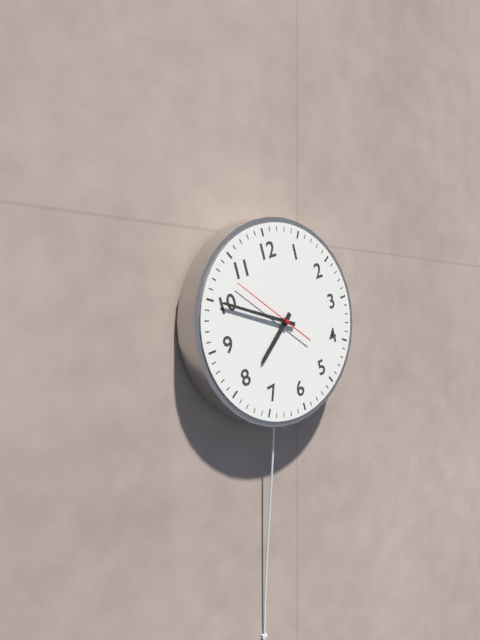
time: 7:50:53
